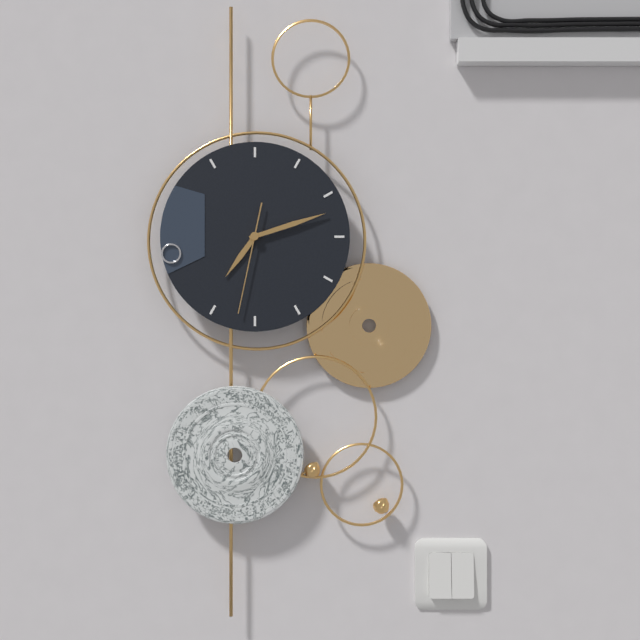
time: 7:12:32
